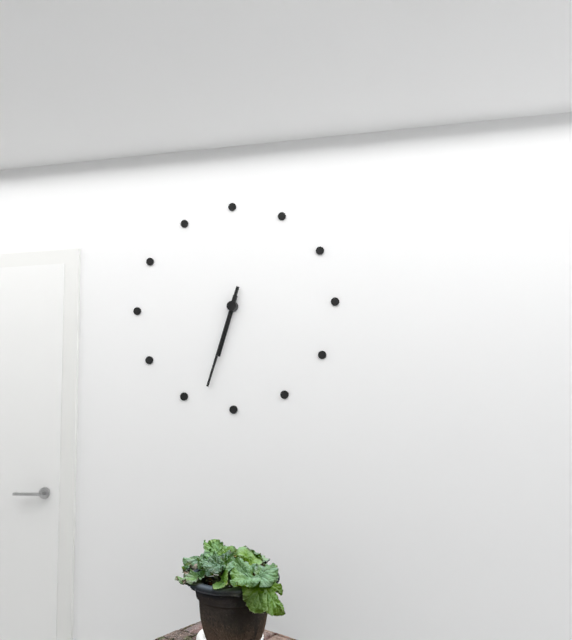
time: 6:33
